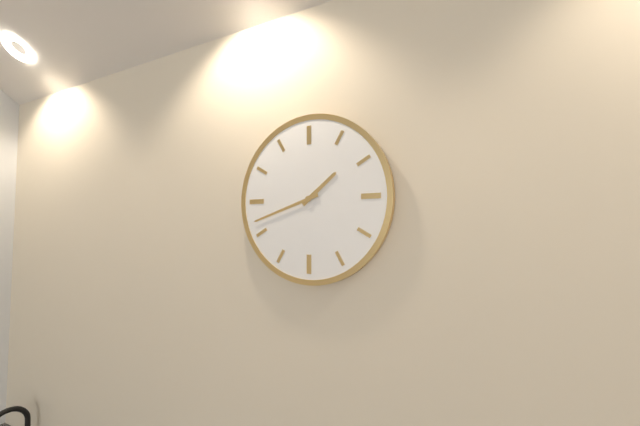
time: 1:42
